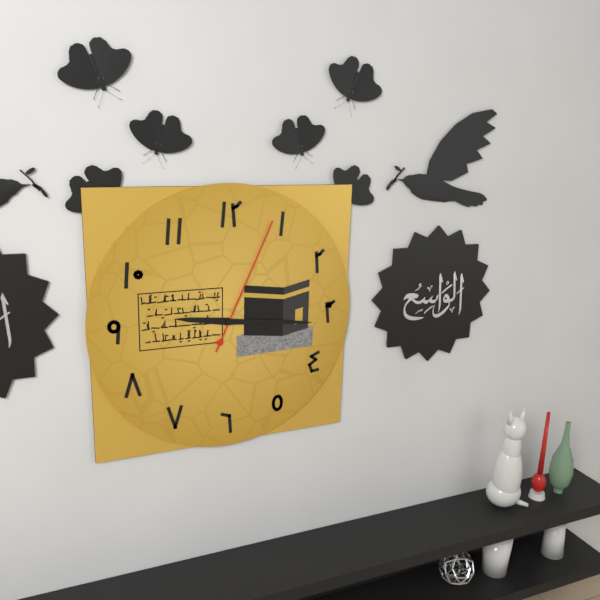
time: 9:16:04
